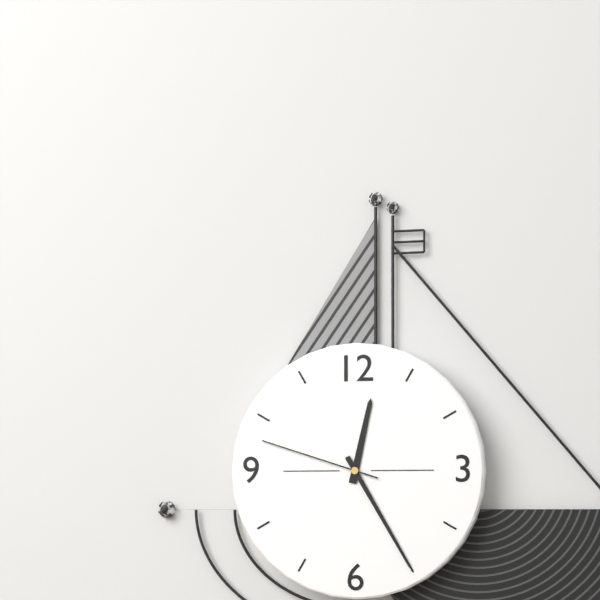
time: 12:25:48
